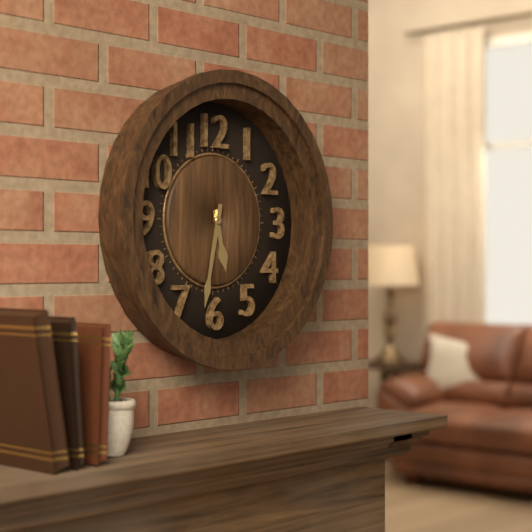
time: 5:32
